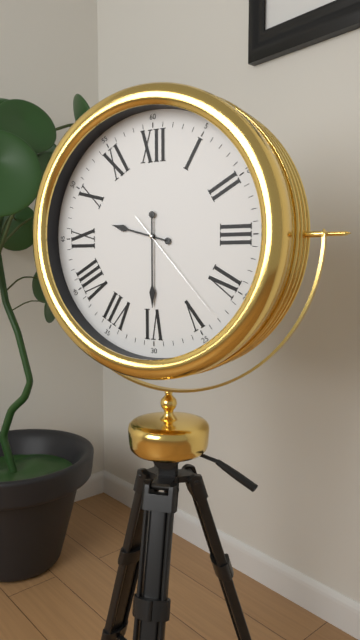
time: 9:30:23
